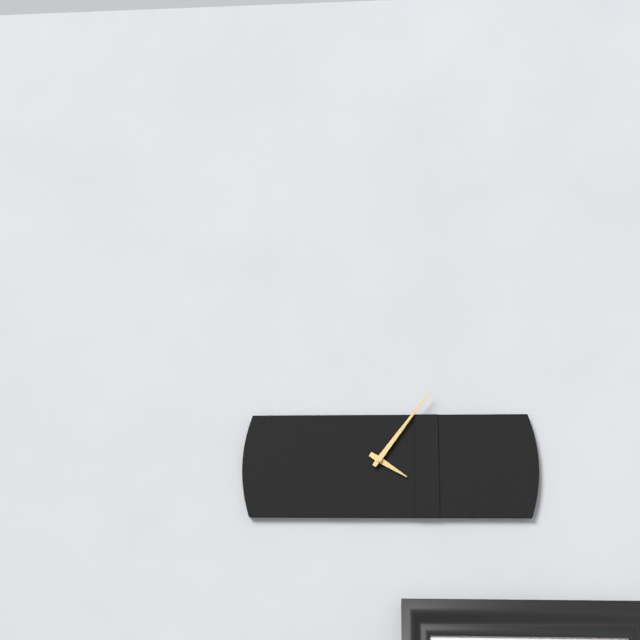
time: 4:06
